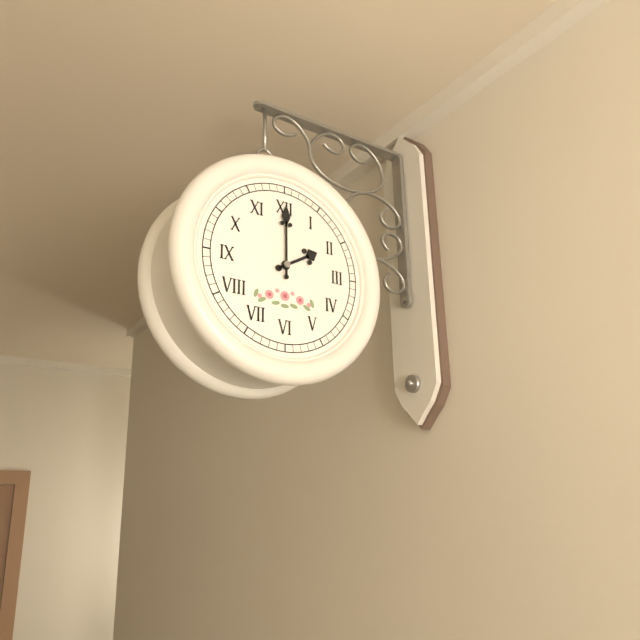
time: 2:00
